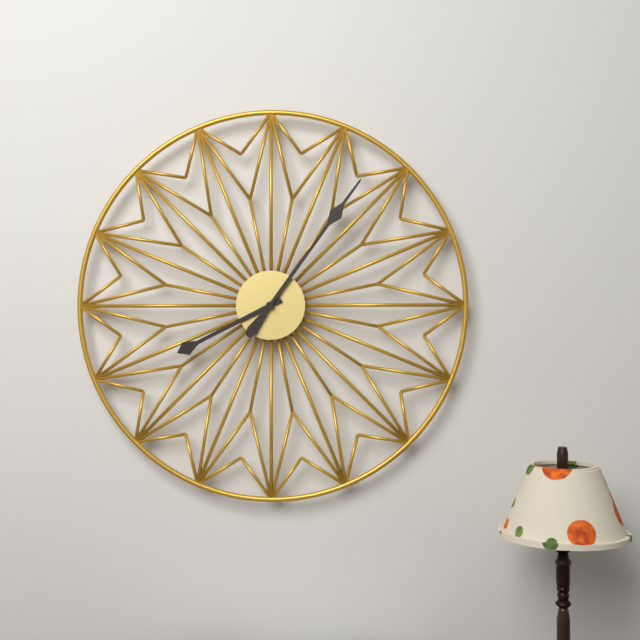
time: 8:06
